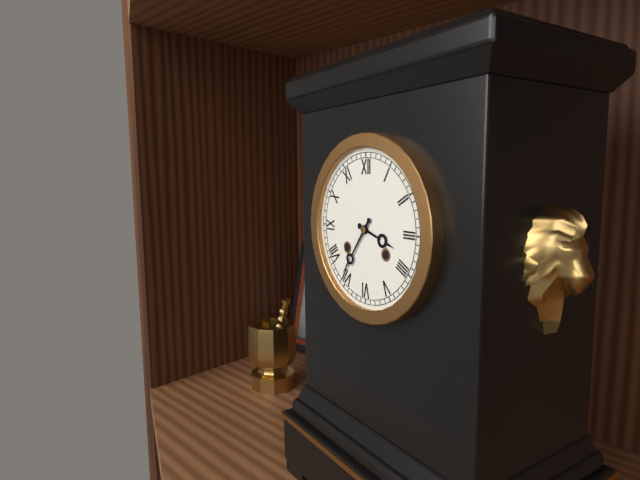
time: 3:36
